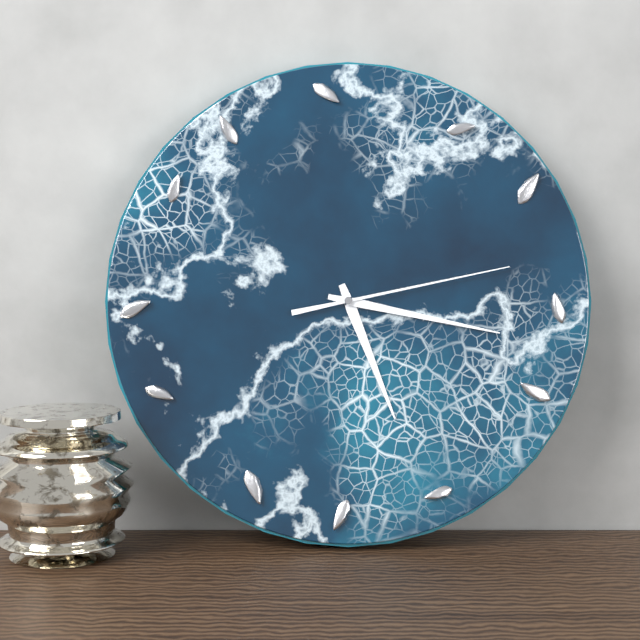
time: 5:17:13
